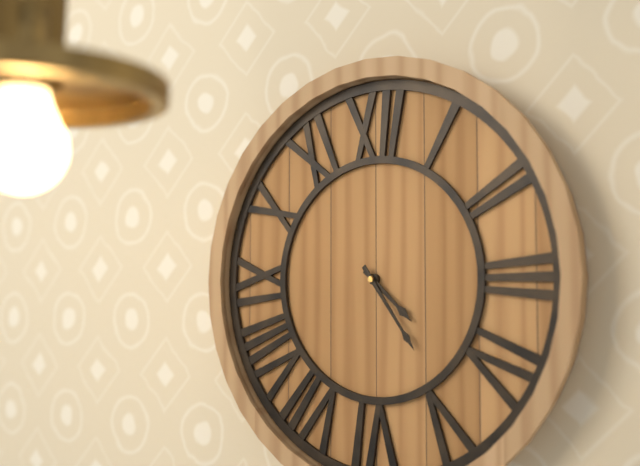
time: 4:24
